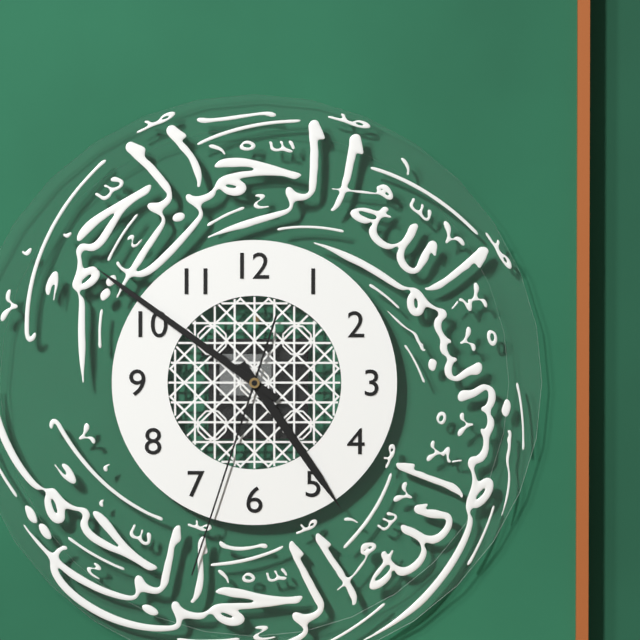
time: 4:51:33
